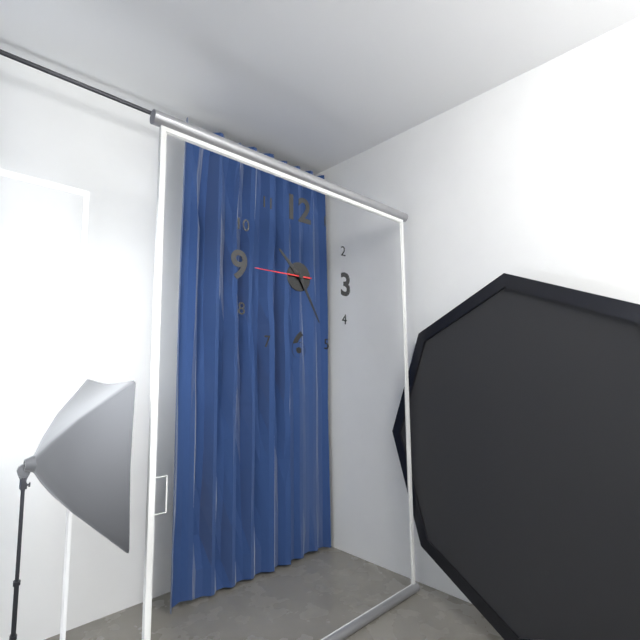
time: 10:25:45
